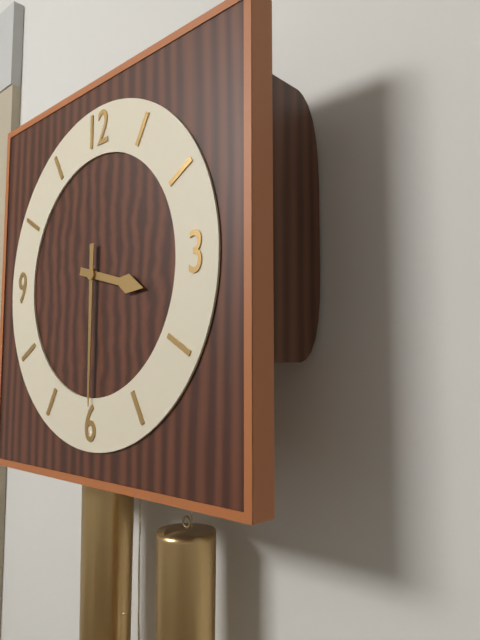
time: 3:30
